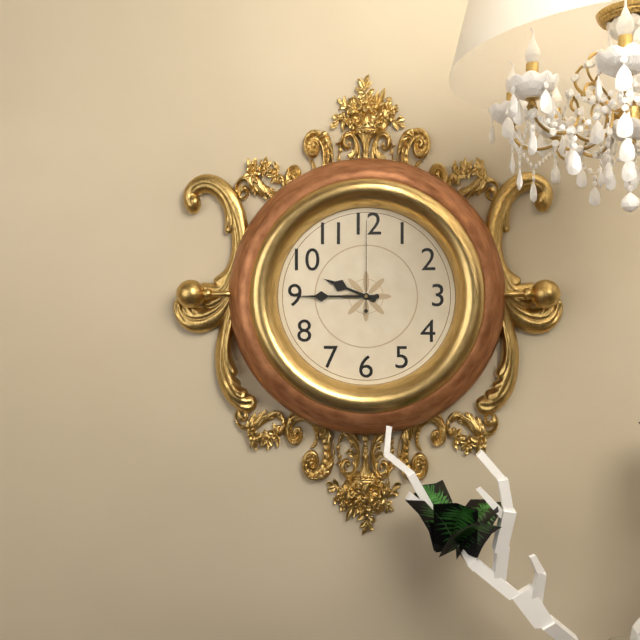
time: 9:45:00
